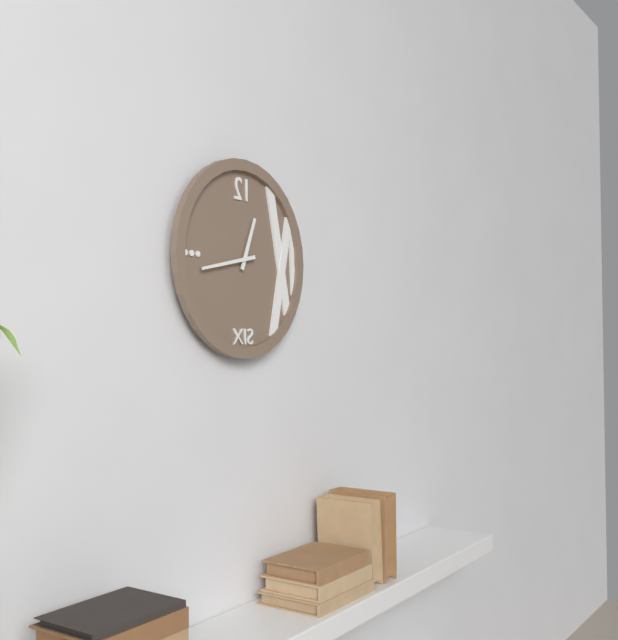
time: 12:43
